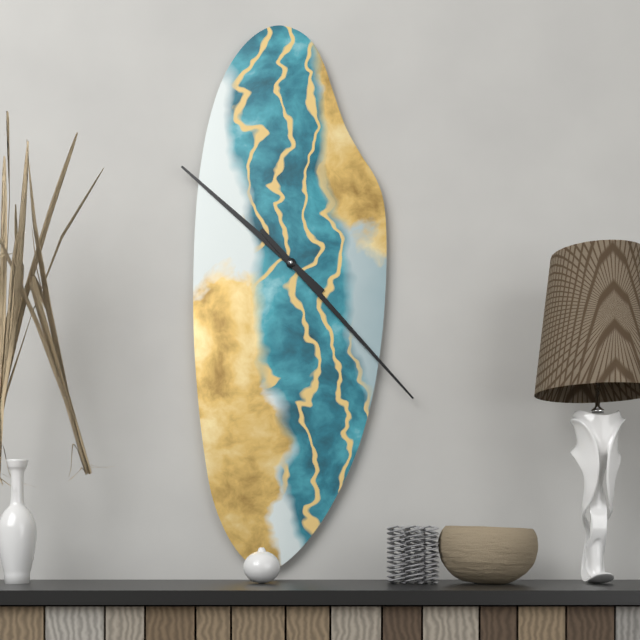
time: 10:23
